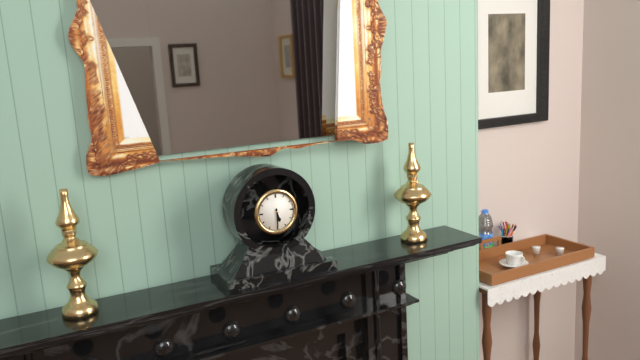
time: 5:30
